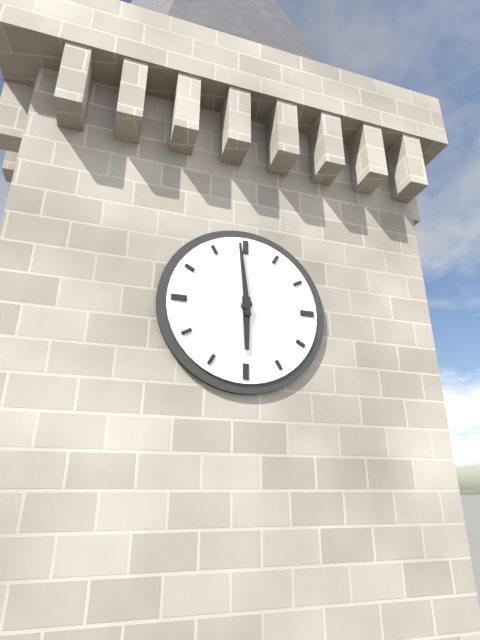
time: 5:59
